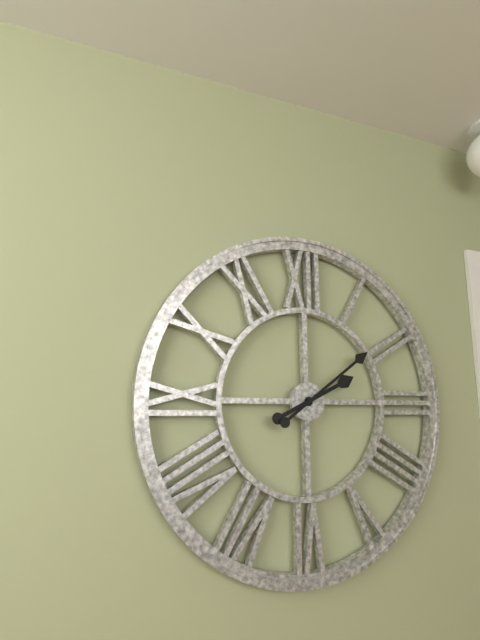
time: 2:09
